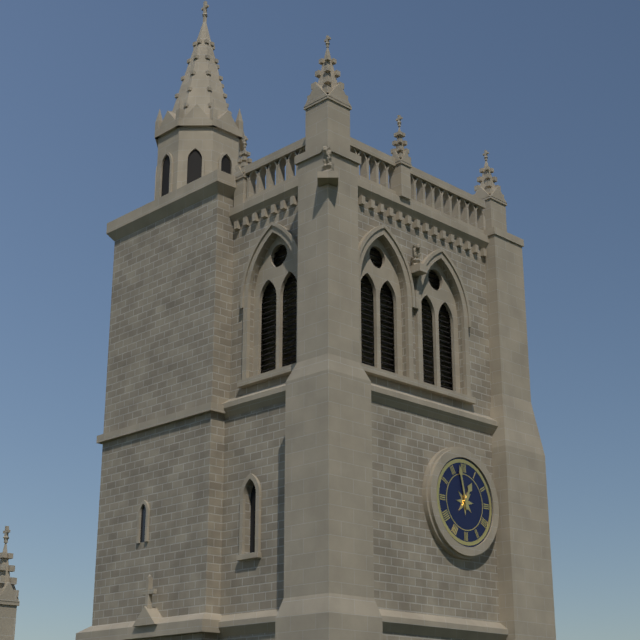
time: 12:58
